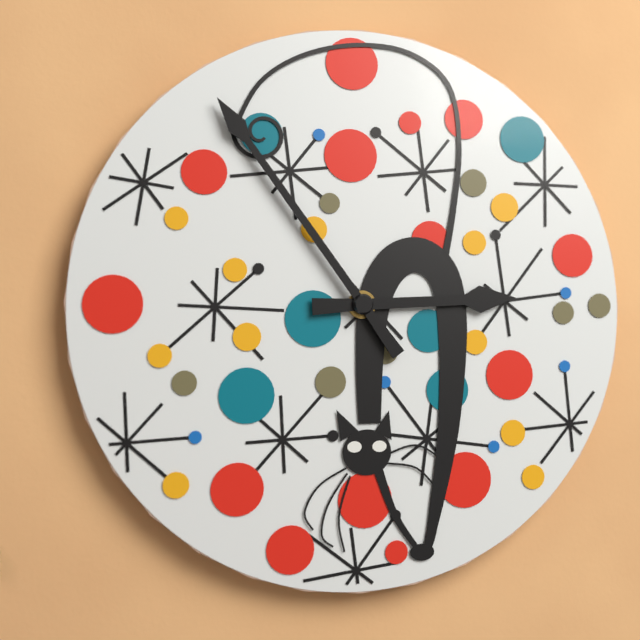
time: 2:54
